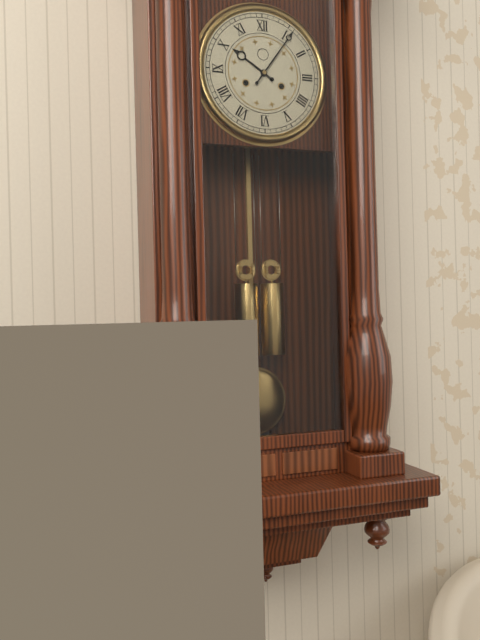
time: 10:06
